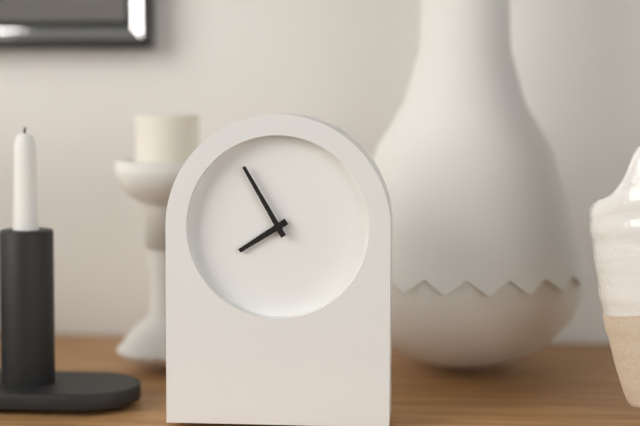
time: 7:55
